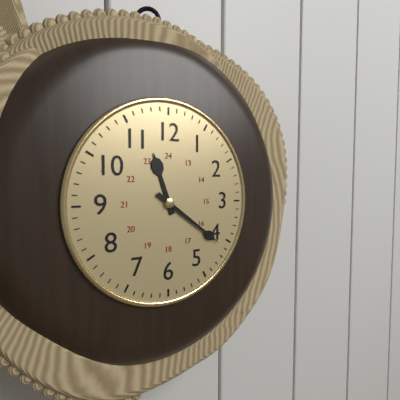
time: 11:21
